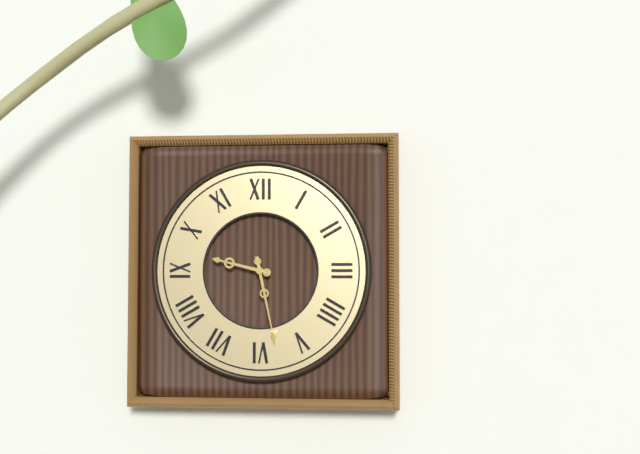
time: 9:28
